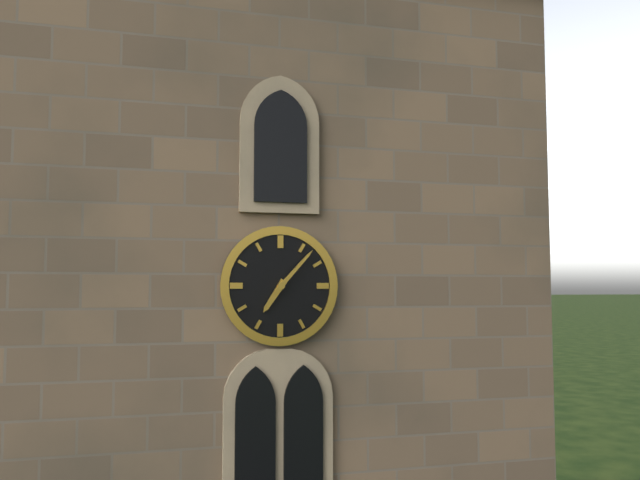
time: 7:07
